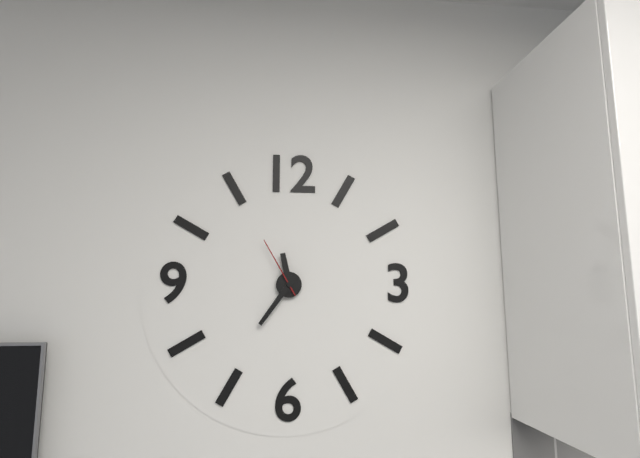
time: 11:36:55
